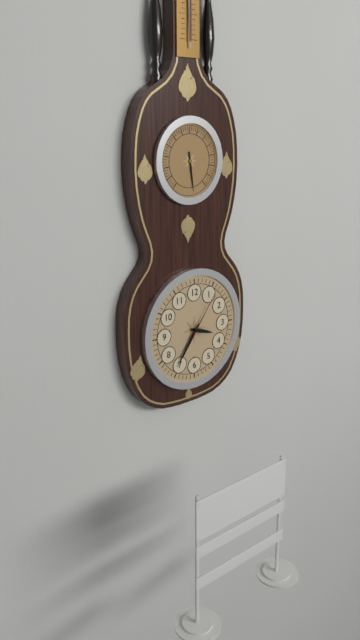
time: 3:36:06
